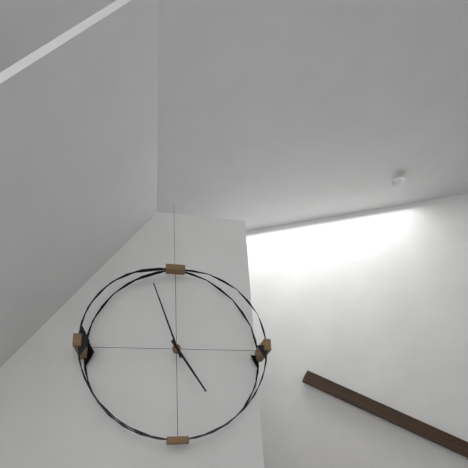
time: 4:57
